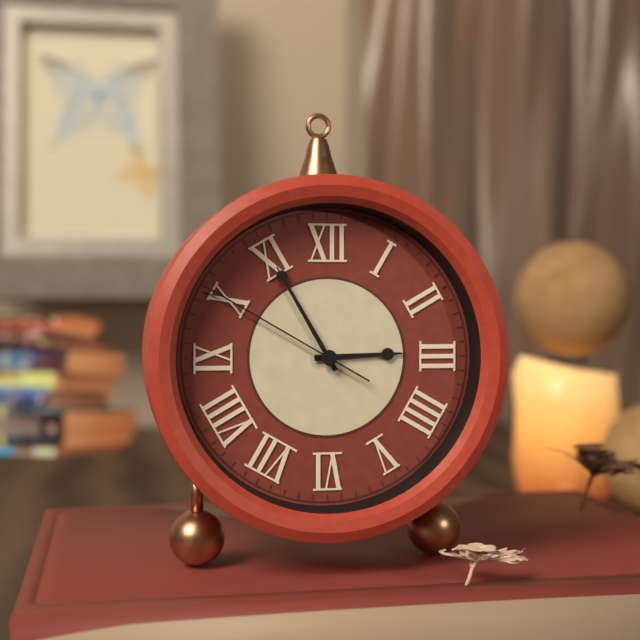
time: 2:55:50
